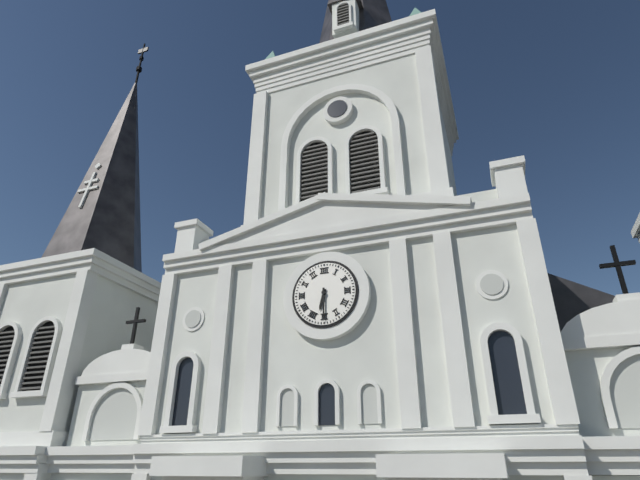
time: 6:30
